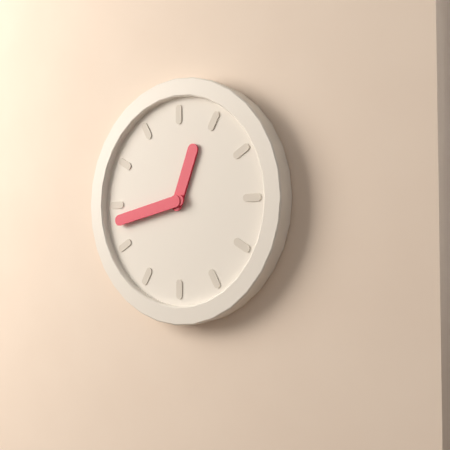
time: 12:43
